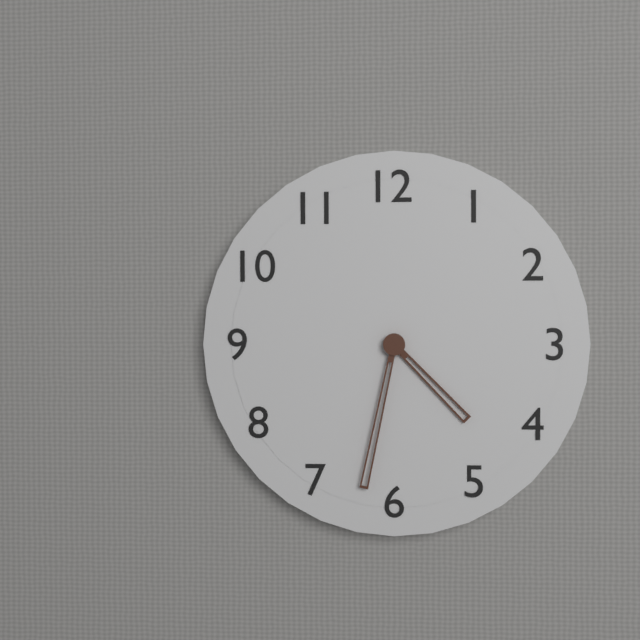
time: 4:32
